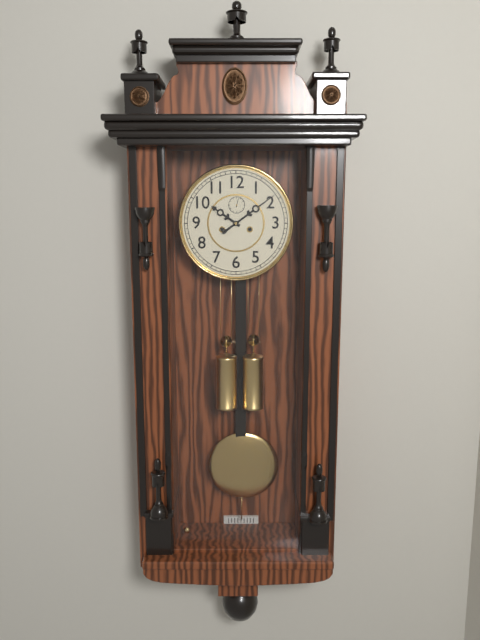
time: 10:09
